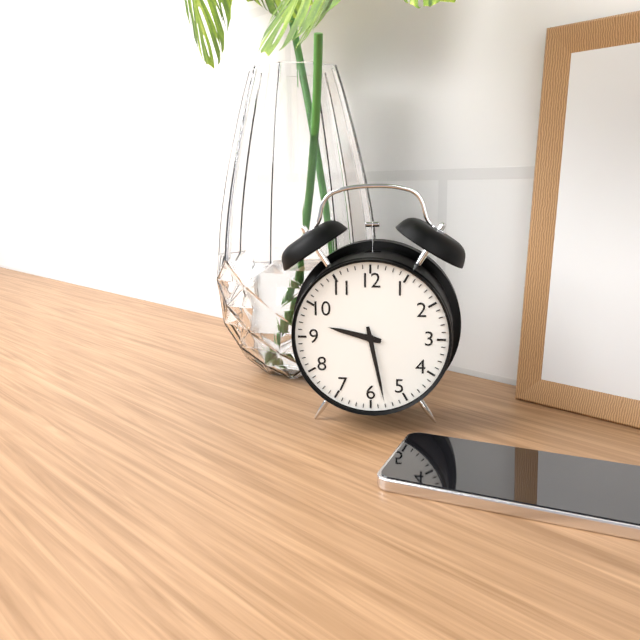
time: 9:28
